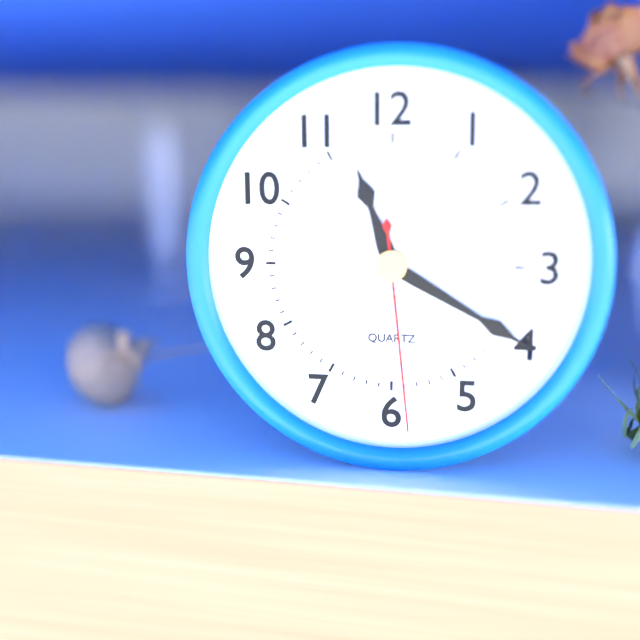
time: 11:20:29
